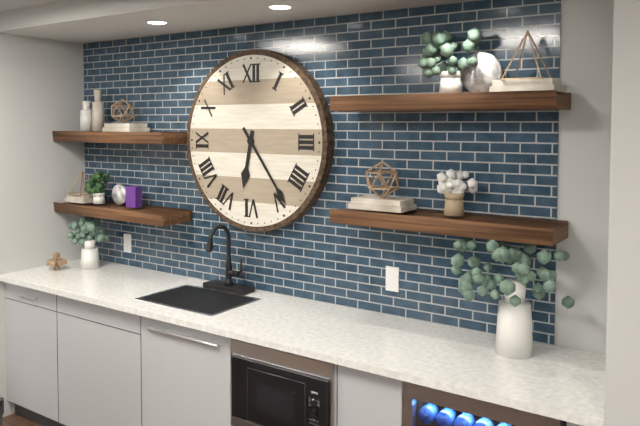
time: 6:24
